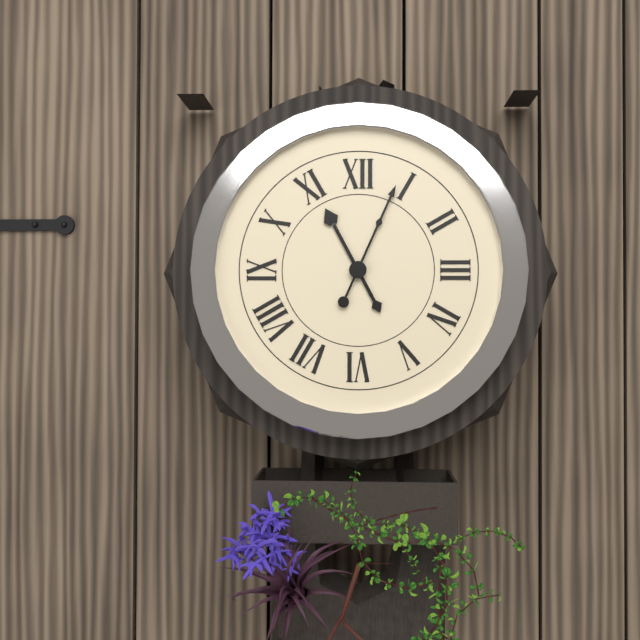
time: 11:04
